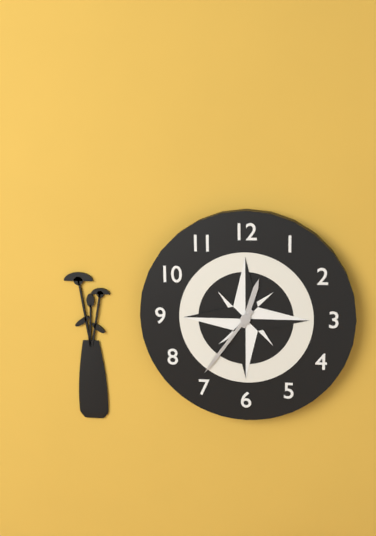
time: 12:36
